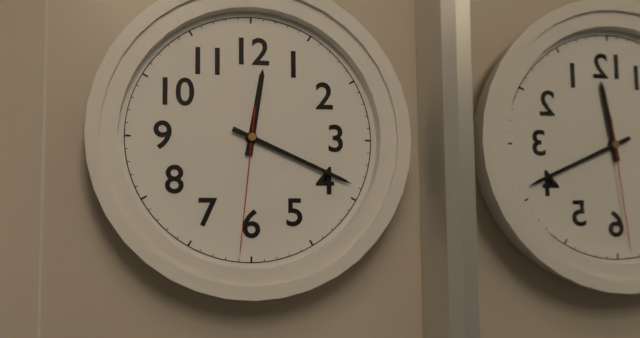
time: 12:19:31
